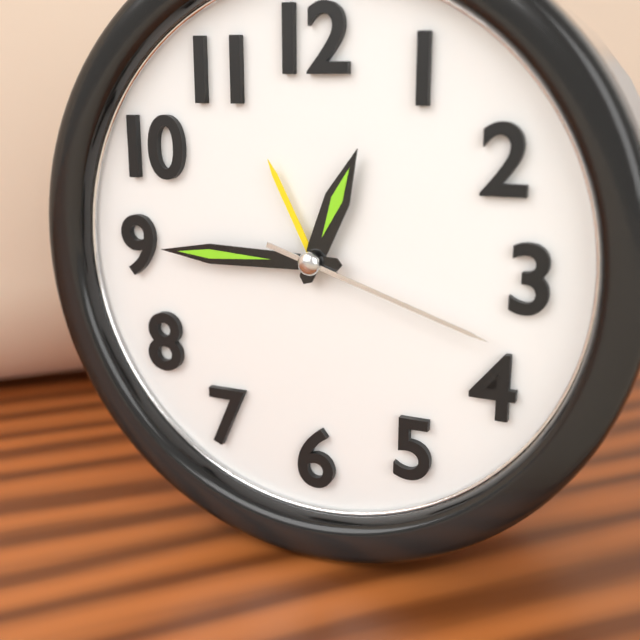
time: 12:45:18
